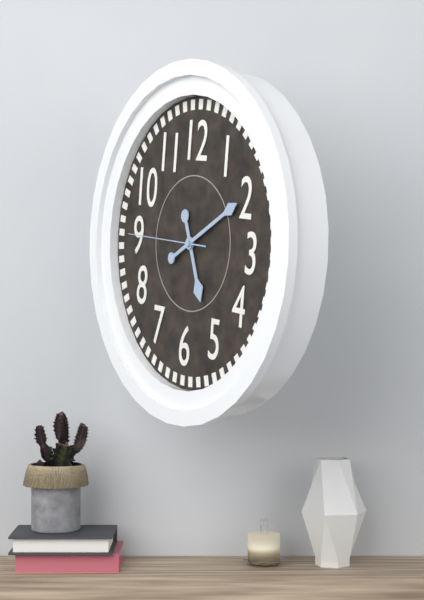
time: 5:10:45
